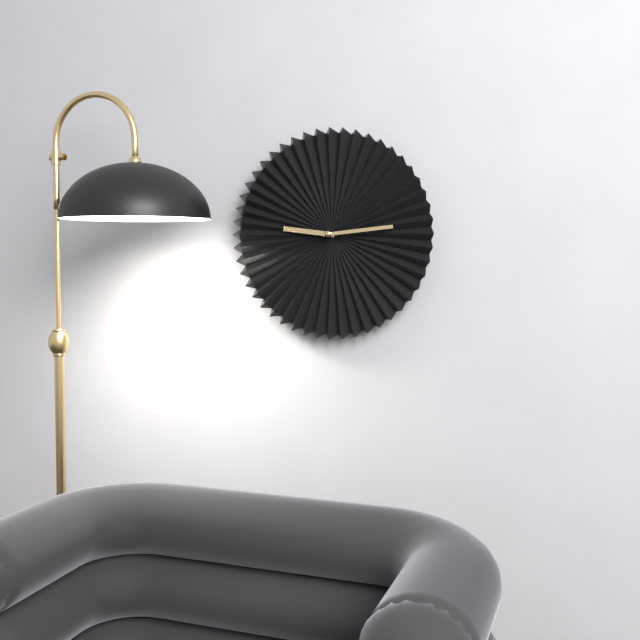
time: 9:14
